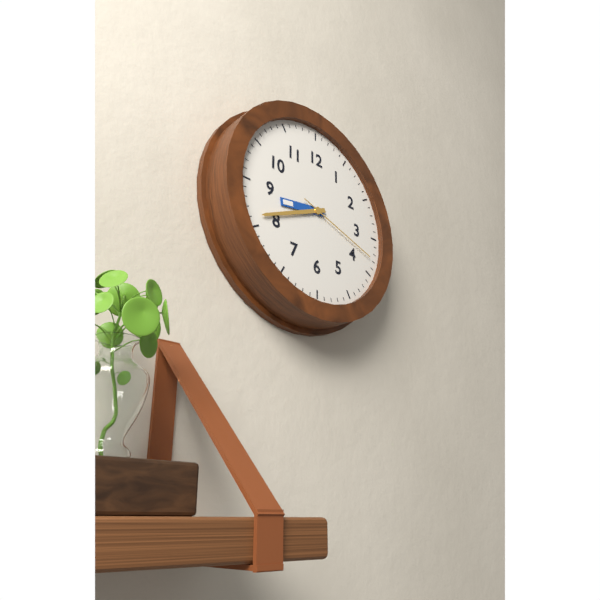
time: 8:41:18
